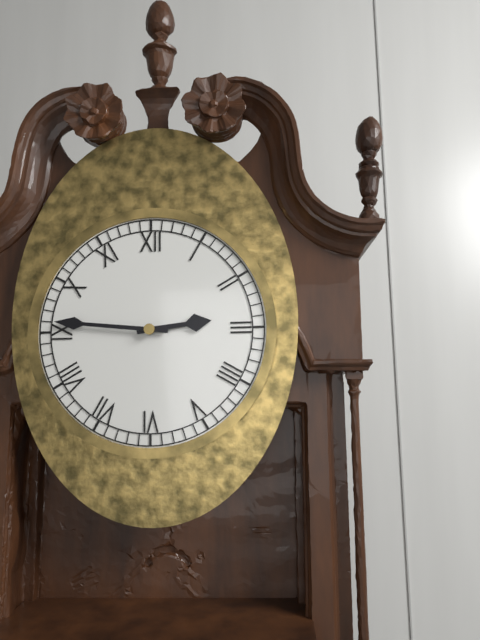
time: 2:46
